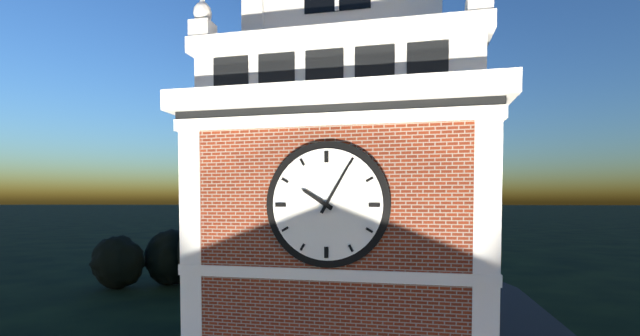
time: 10:05
